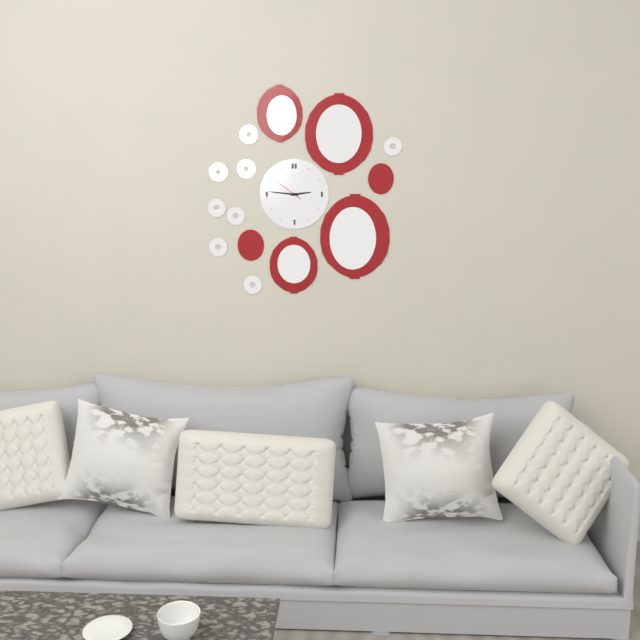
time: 2:46
